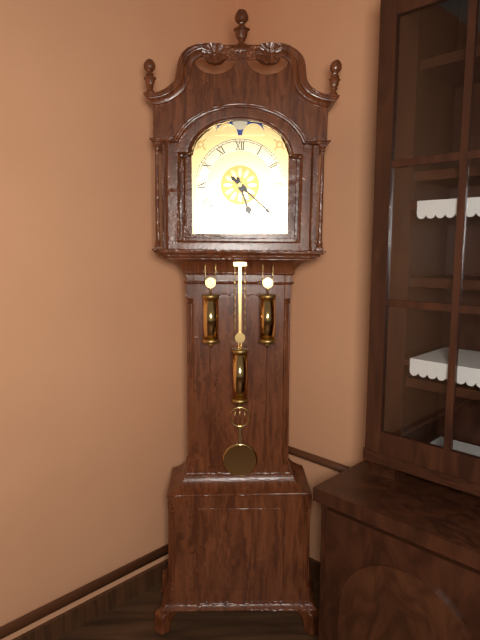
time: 5:22
